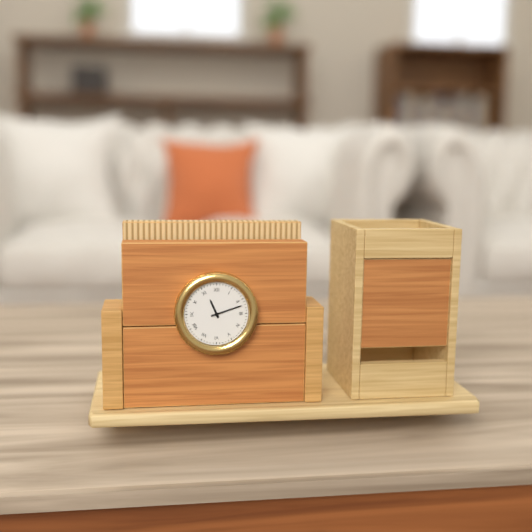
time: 11:12
